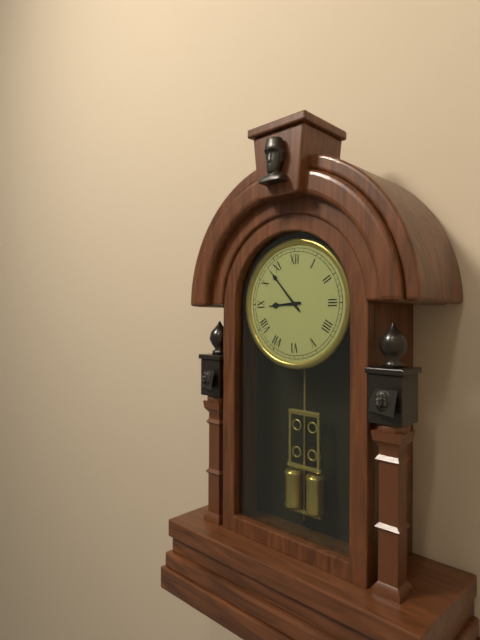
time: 8:53
